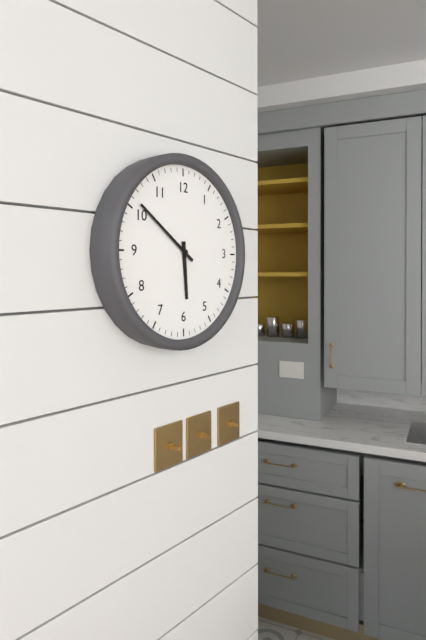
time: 5:51
